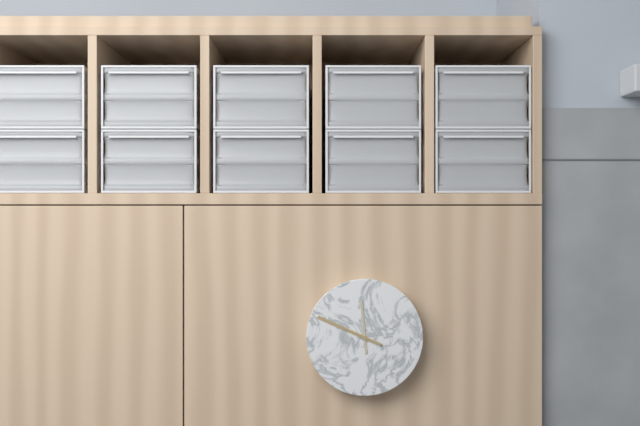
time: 11:49
